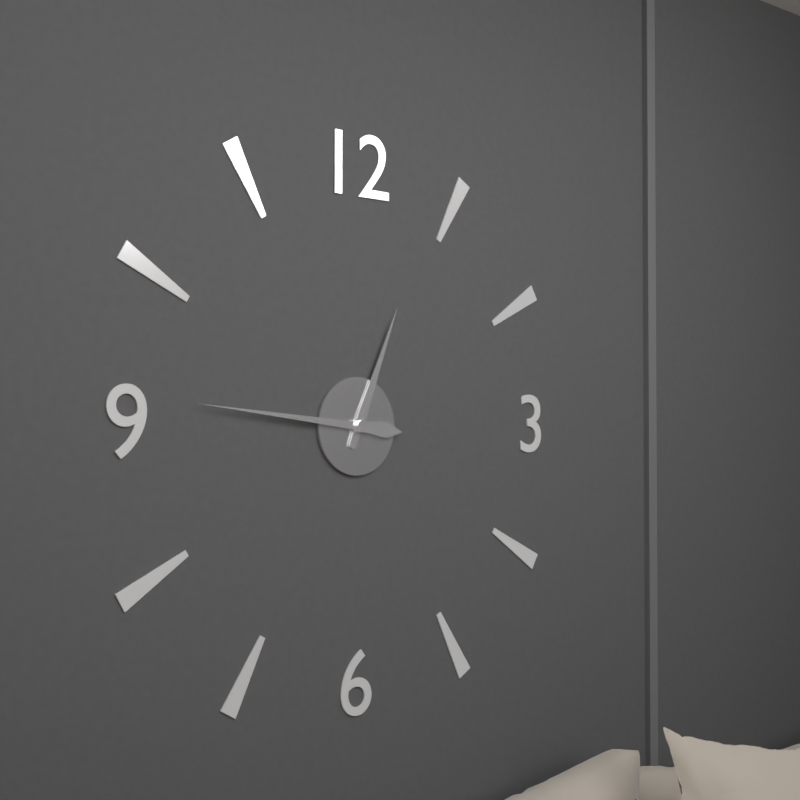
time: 12:46
